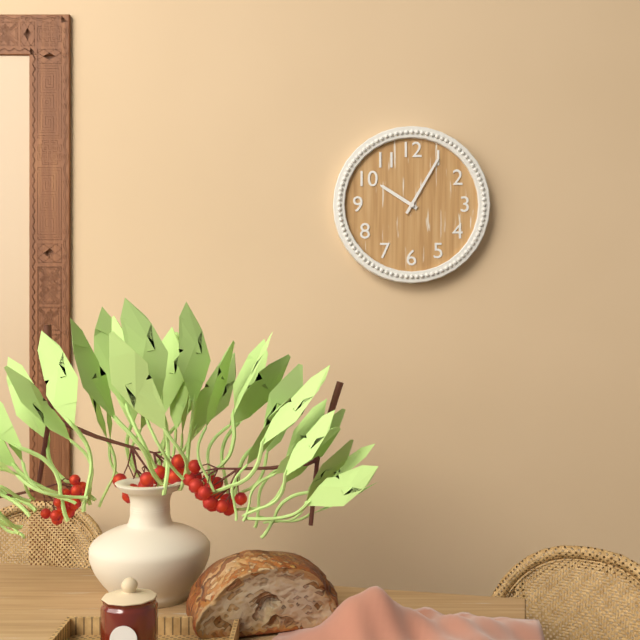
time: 10:05
